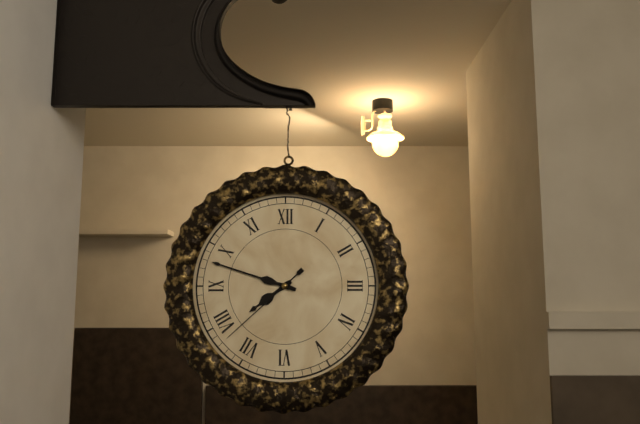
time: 7:48:38
